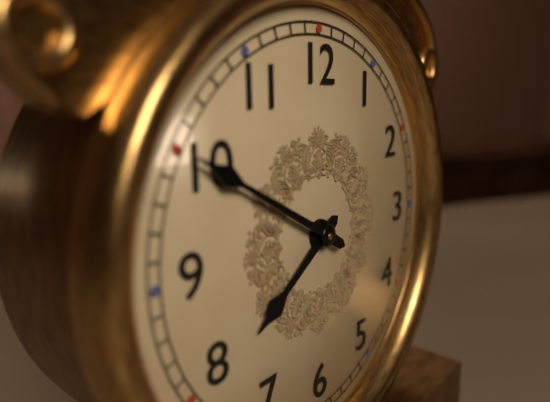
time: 7:50
